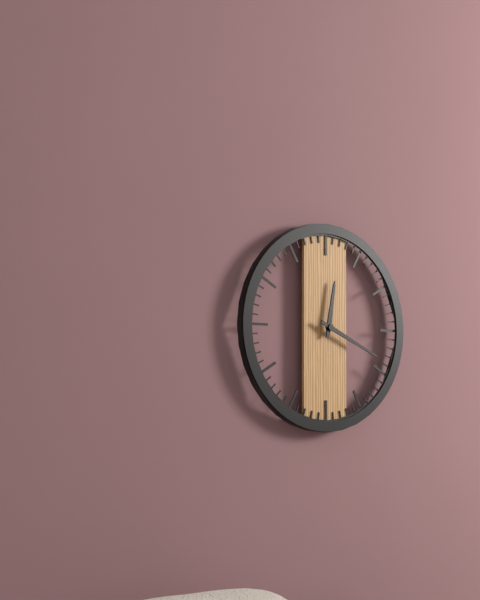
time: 12:19
